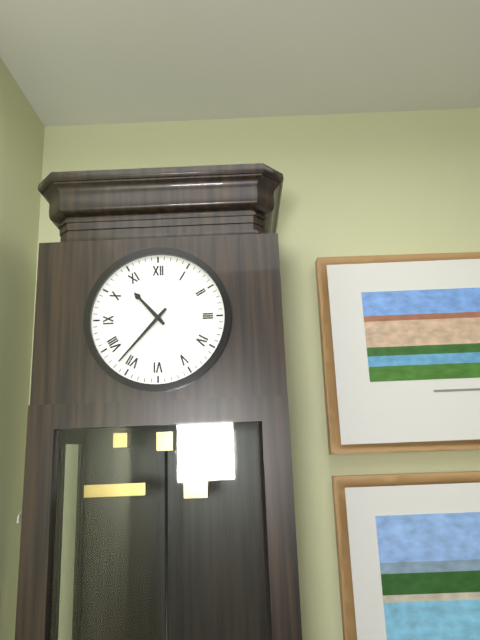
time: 10:37
